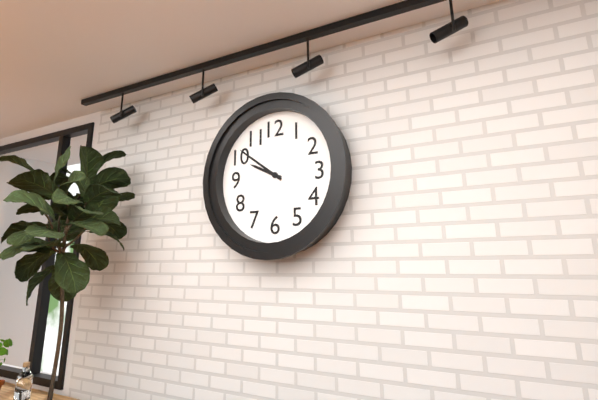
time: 9:51
